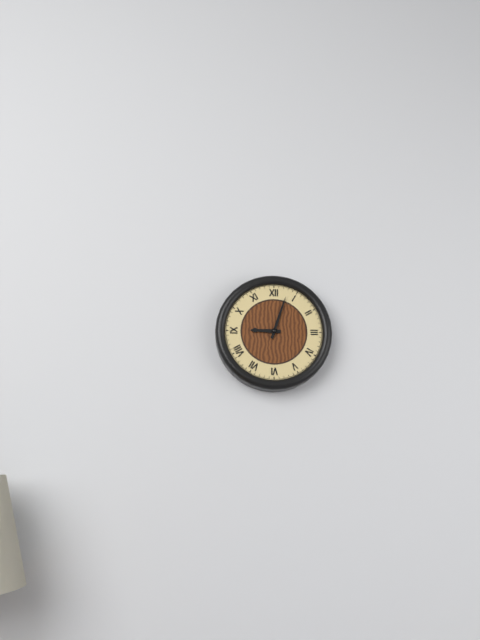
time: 9:03
